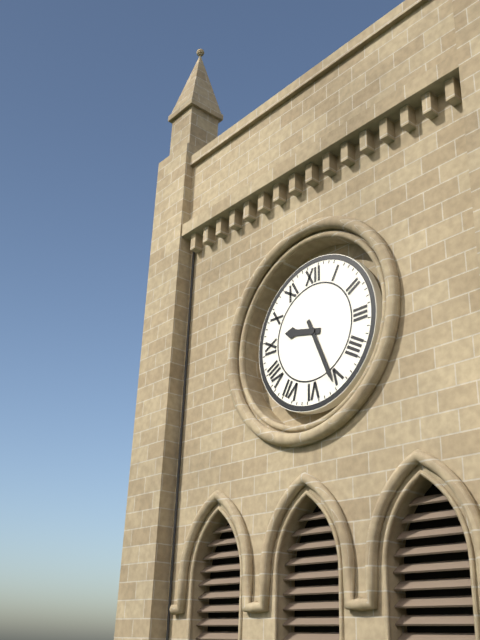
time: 9:26
